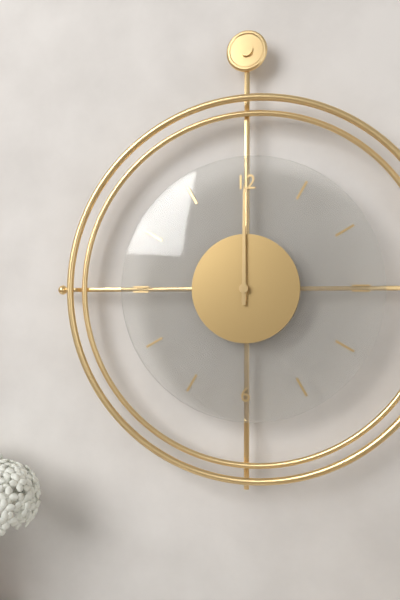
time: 12:00
